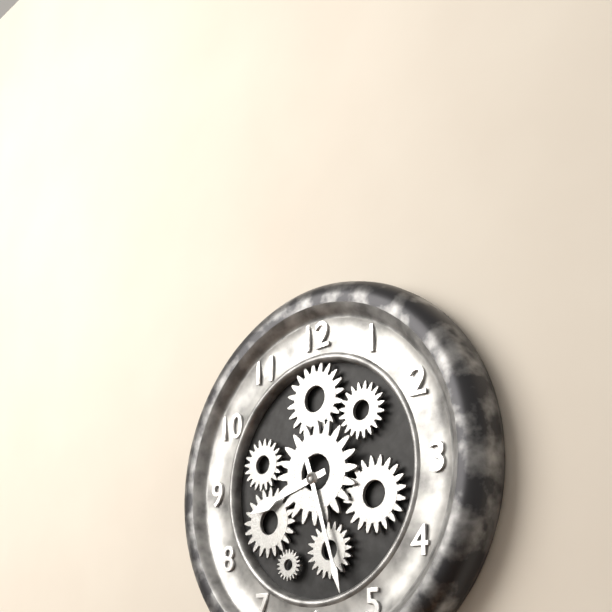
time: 8:27
